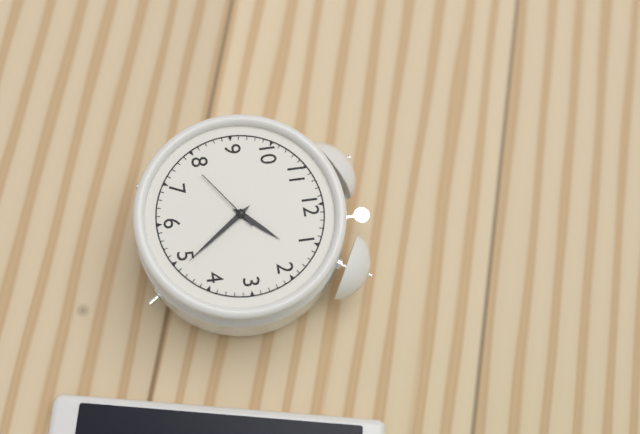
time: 1:24:39
